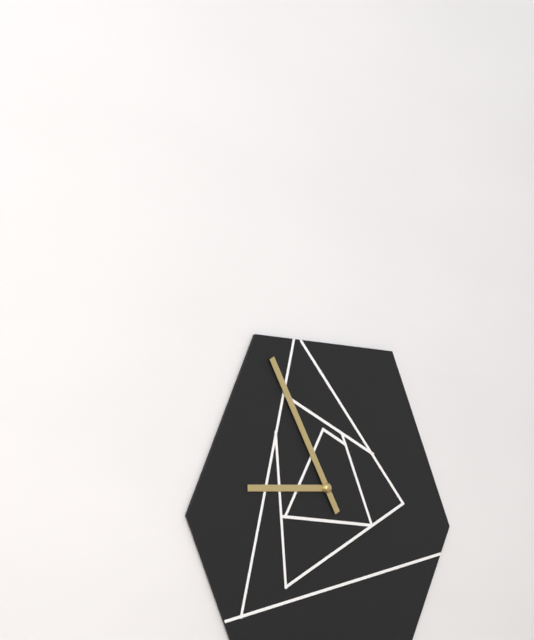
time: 8:55
